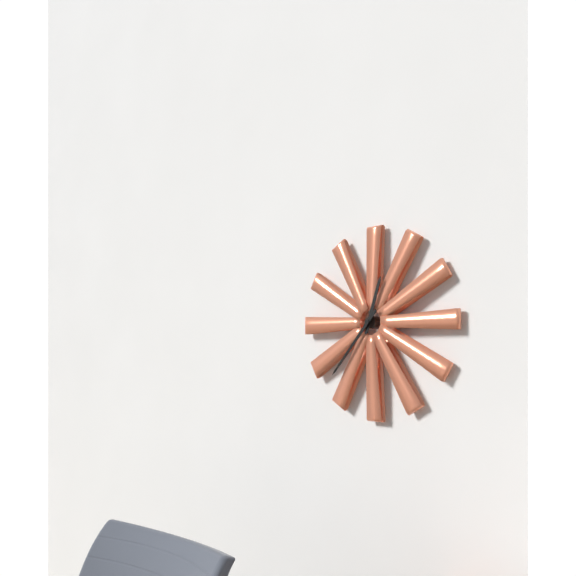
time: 12:37
